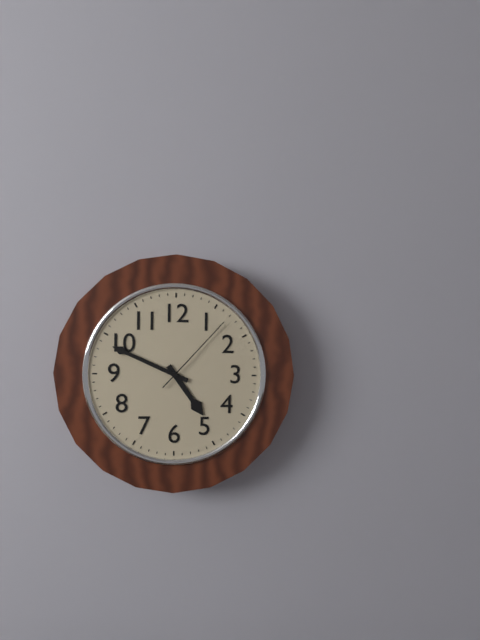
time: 4:49:07
